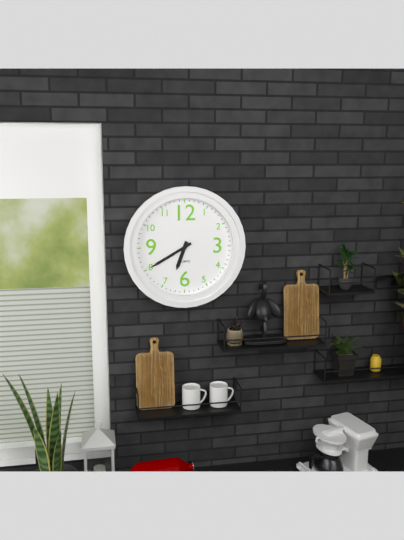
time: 6:40
